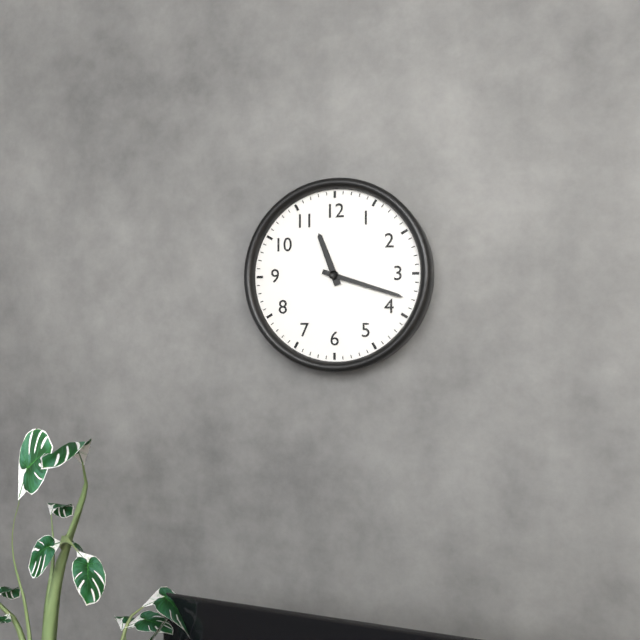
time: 11:18
